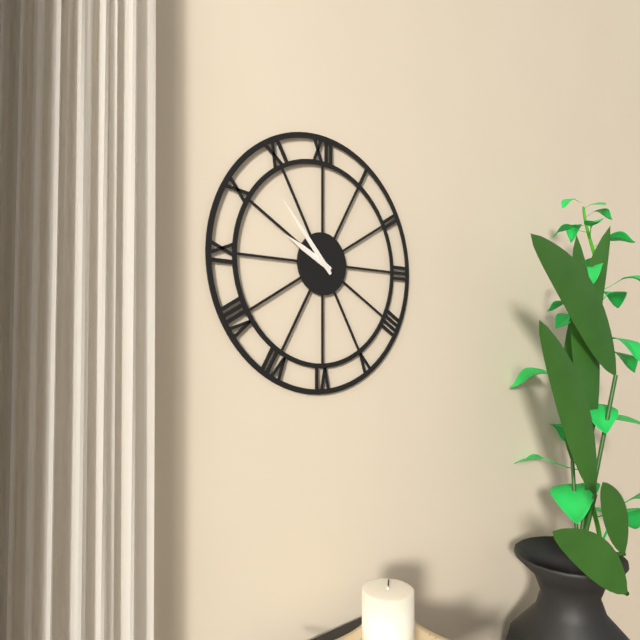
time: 9:53
